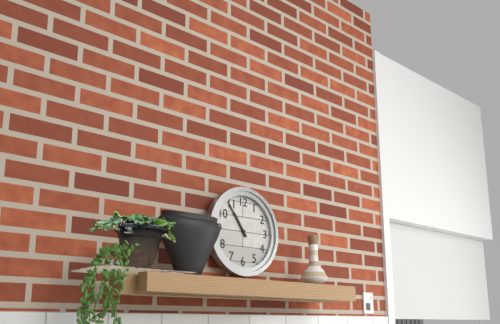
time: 10:54
